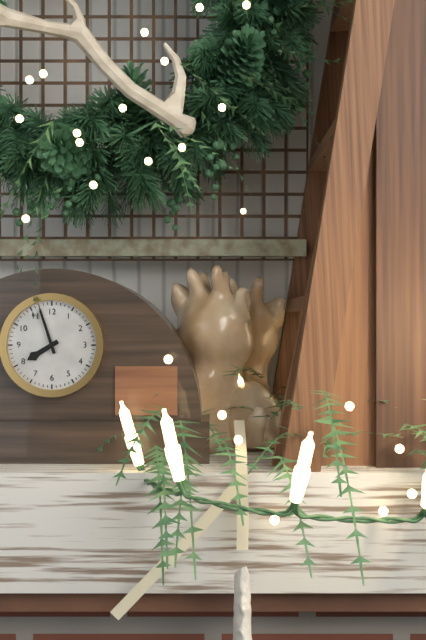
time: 7:57
